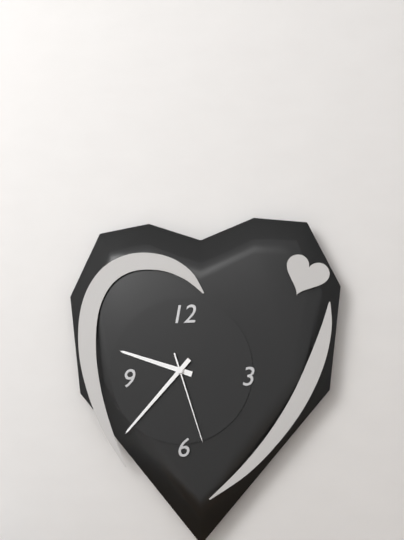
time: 9:37:27
